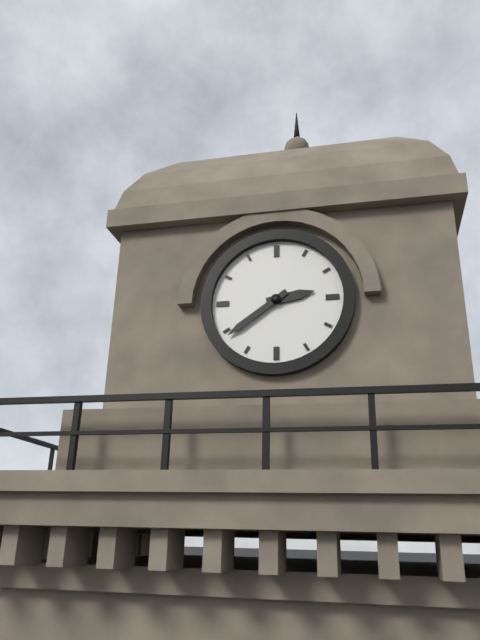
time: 2:39
